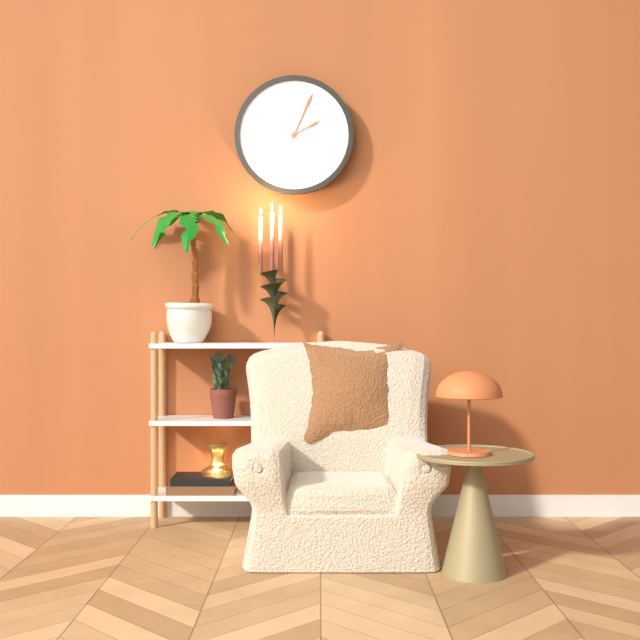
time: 2:04
